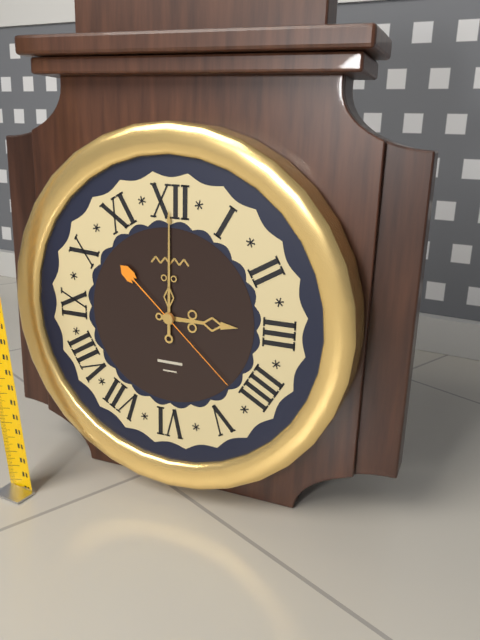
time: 3:00:22
